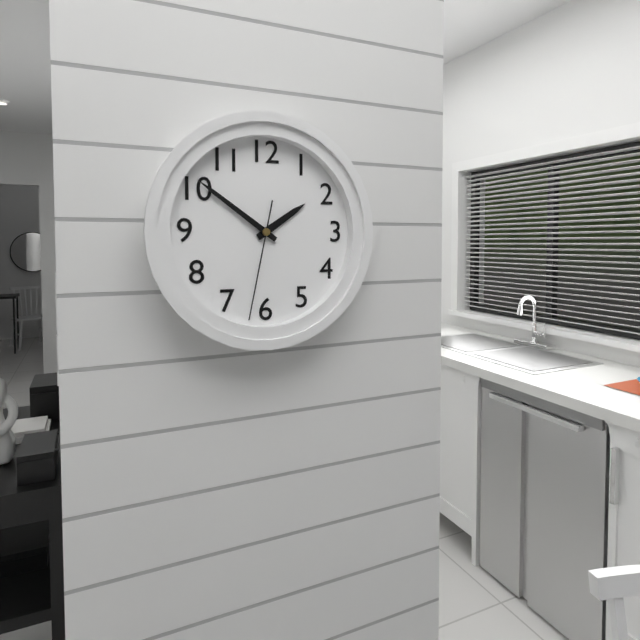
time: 1:51:32
